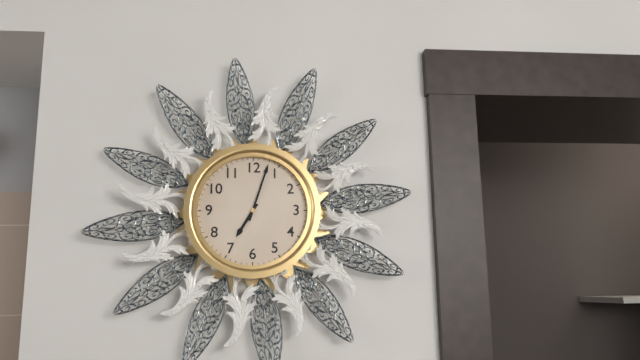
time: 7:03
